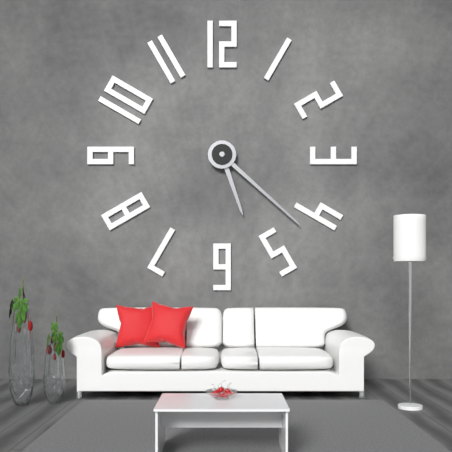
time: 5:22
